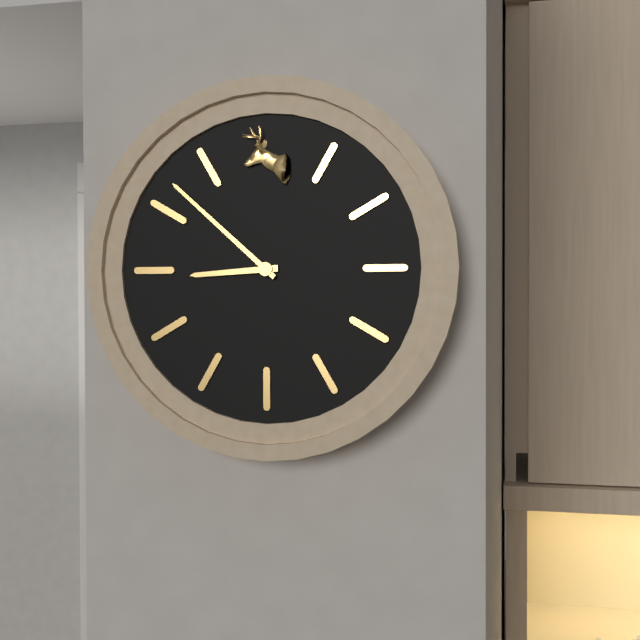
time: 8:52
